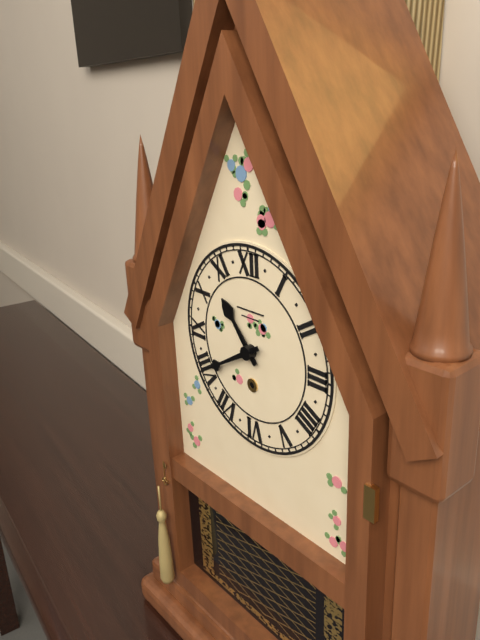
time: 10:40
